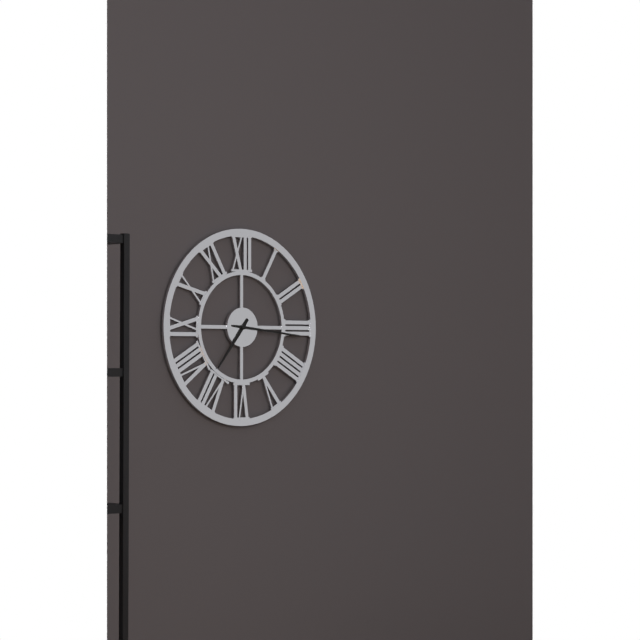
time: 7:16
